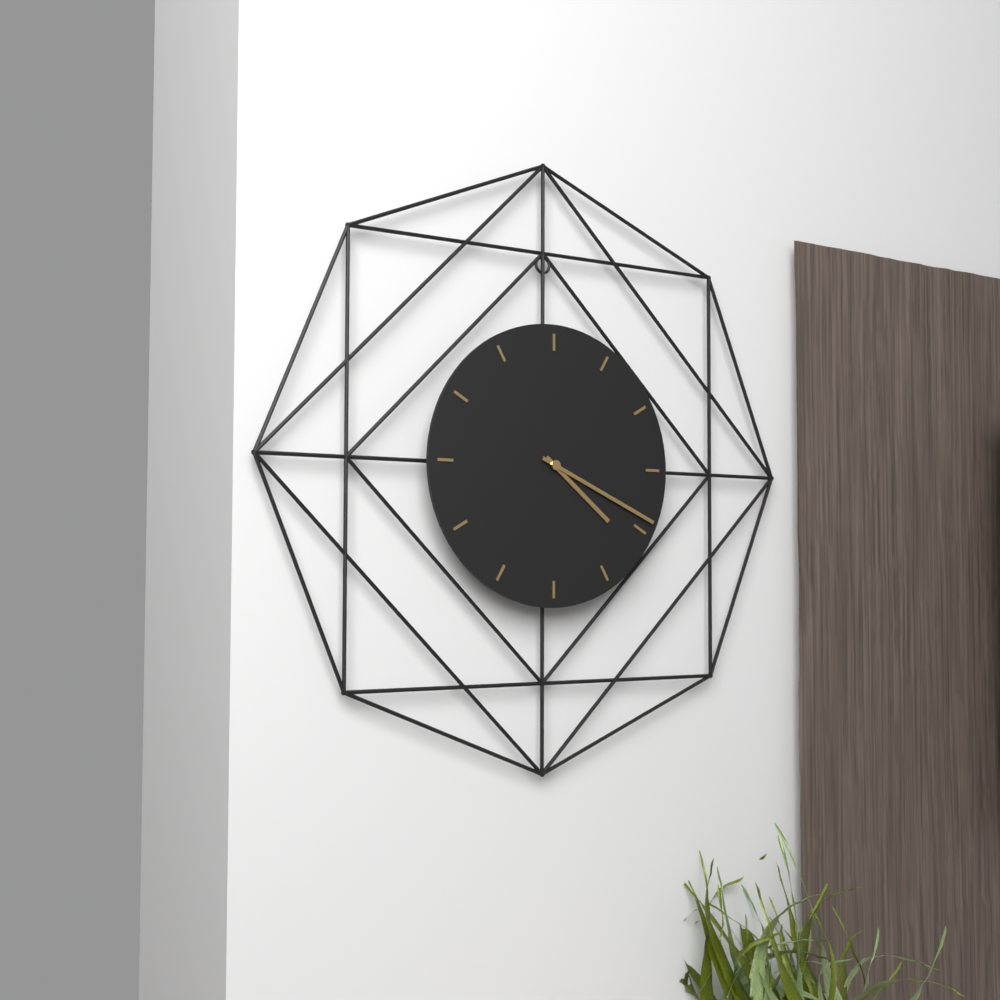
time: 4:19
